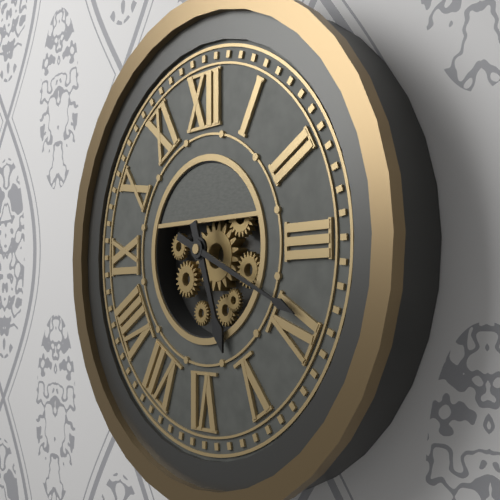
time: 5:19
